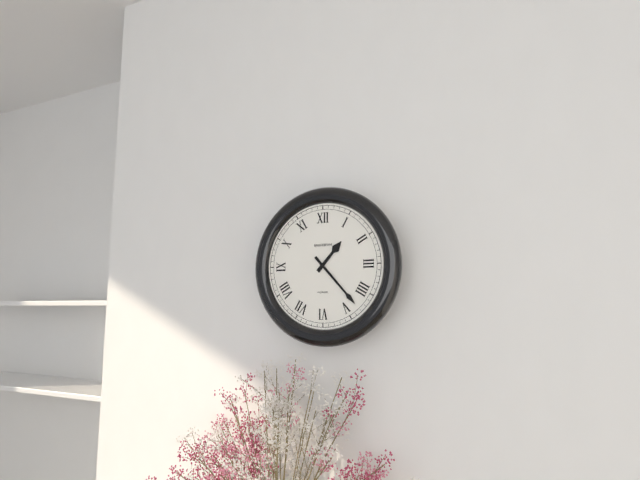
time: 1:23
